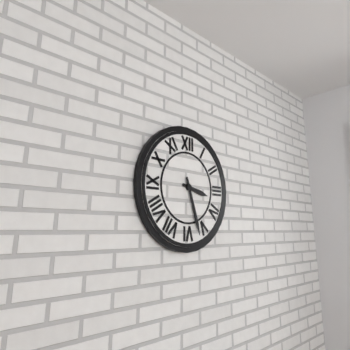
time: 3:27
